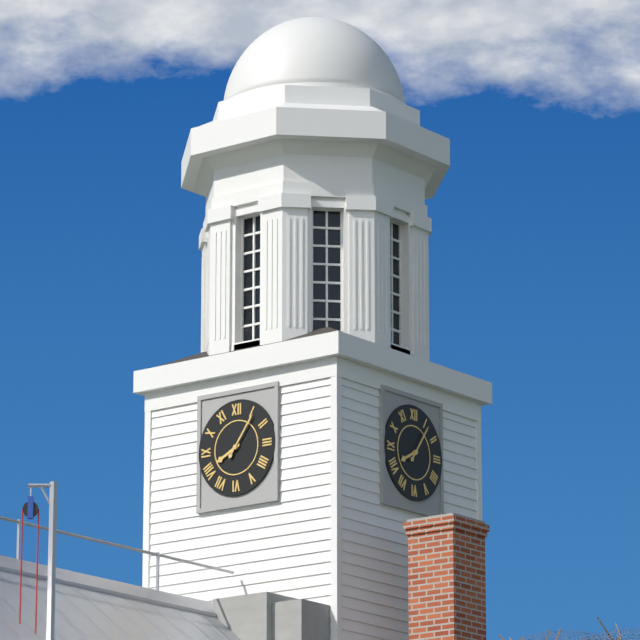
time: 8:06
